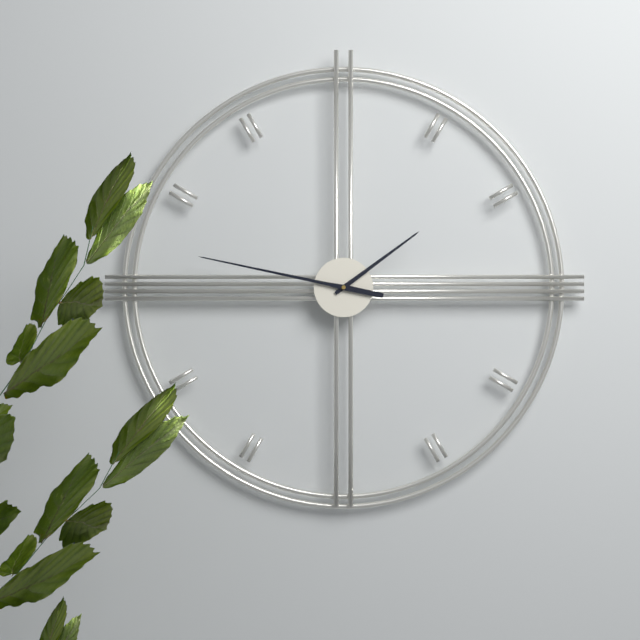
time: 1:47
